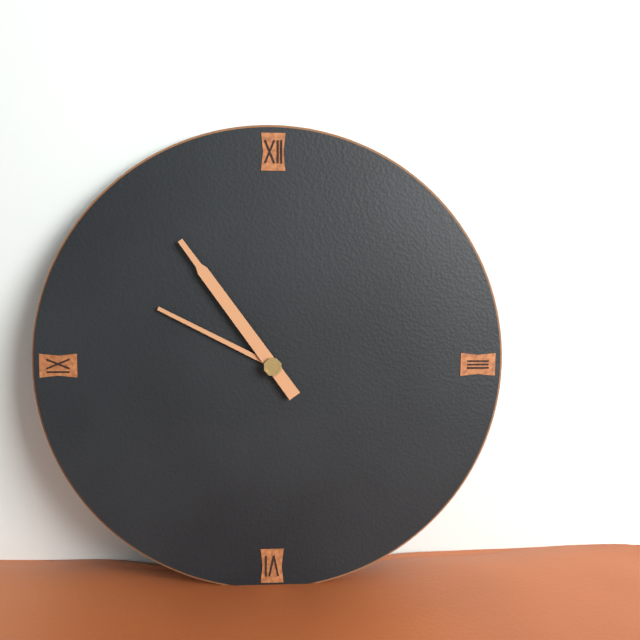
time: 9:54
